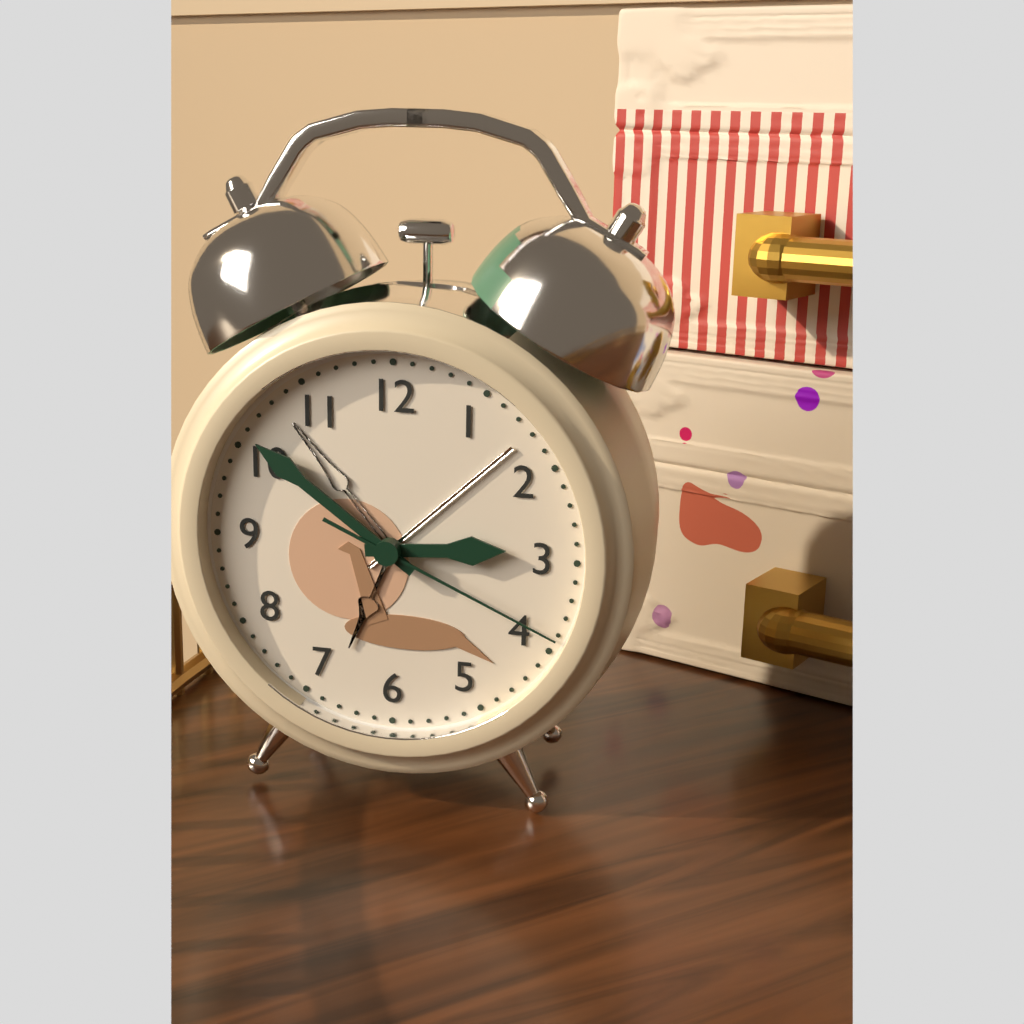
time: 2:51:19
